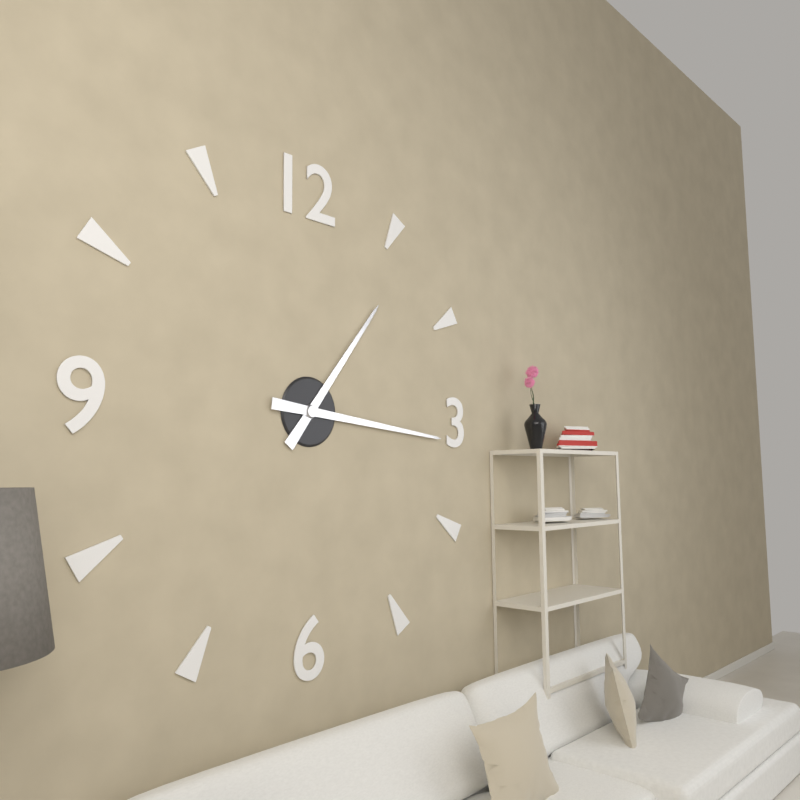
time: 1:16
